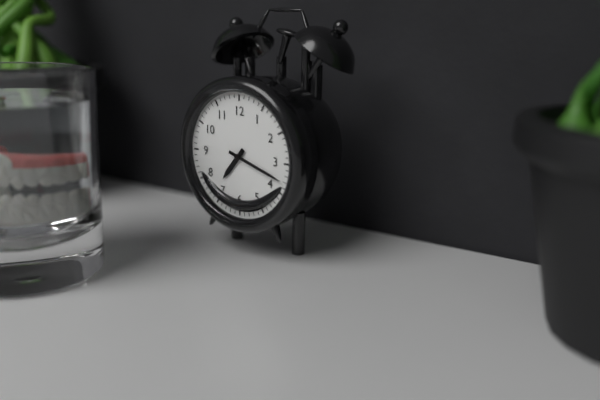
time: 7:18
